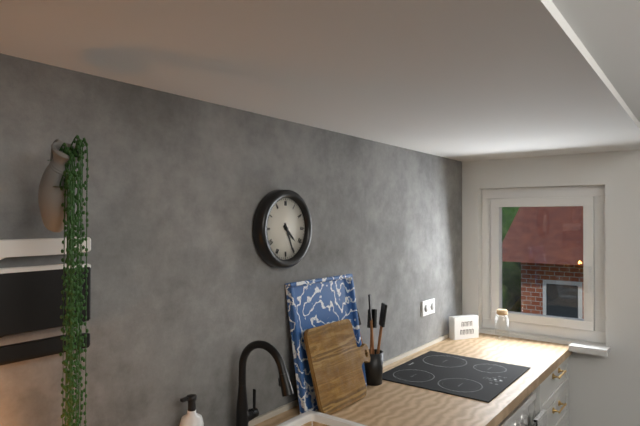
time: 4:26
